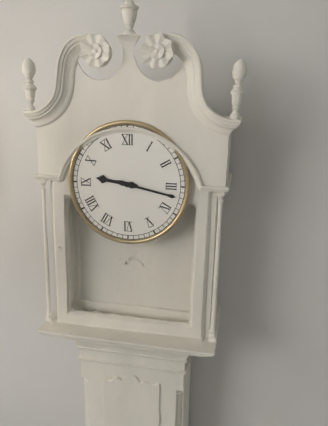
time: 9:17
